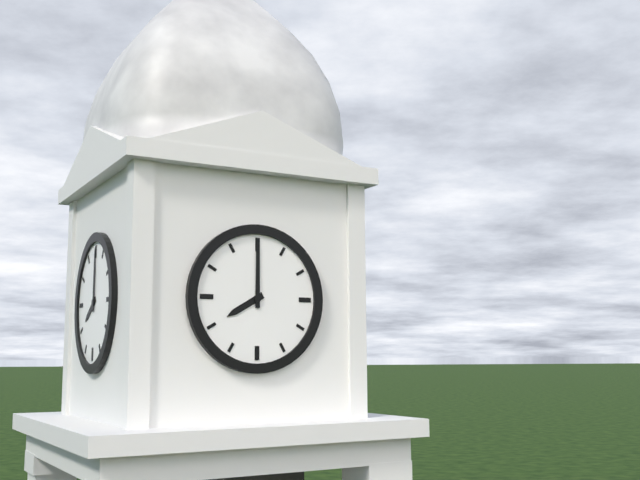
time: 8:00
